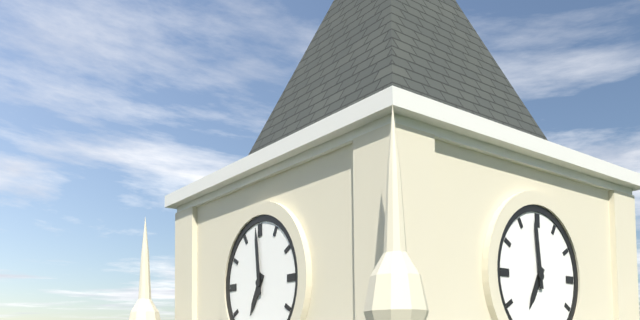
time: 6:59
